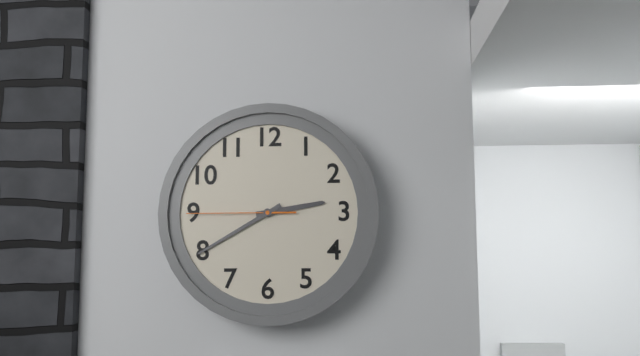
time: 2:40:45
